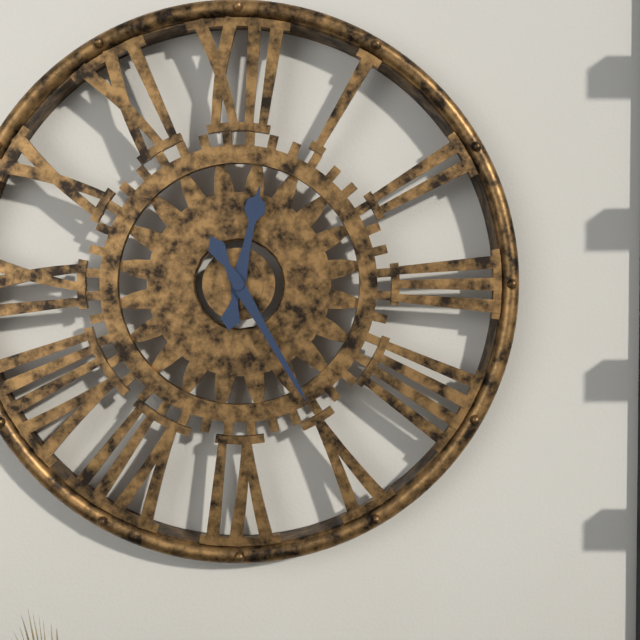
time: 12:25
